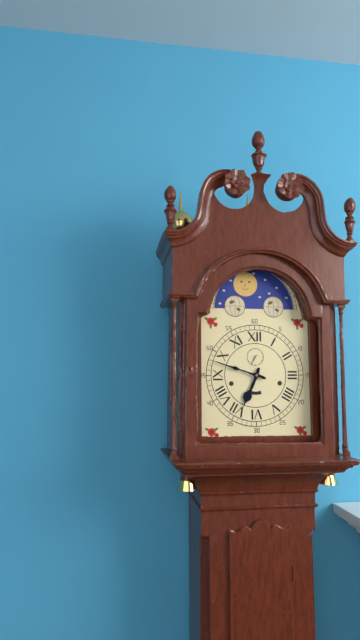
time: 6:48
